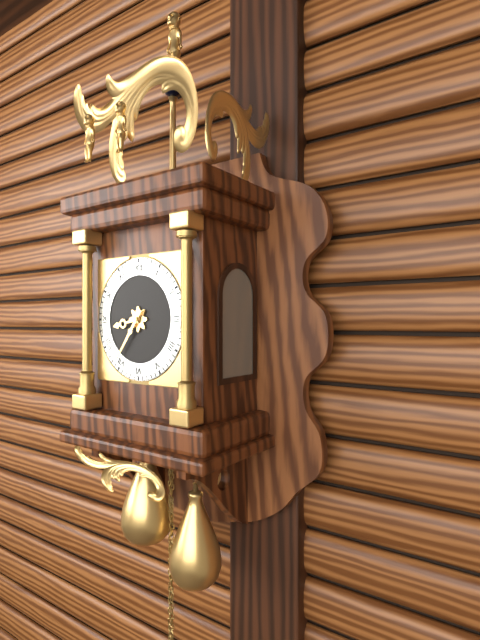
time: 8:36
